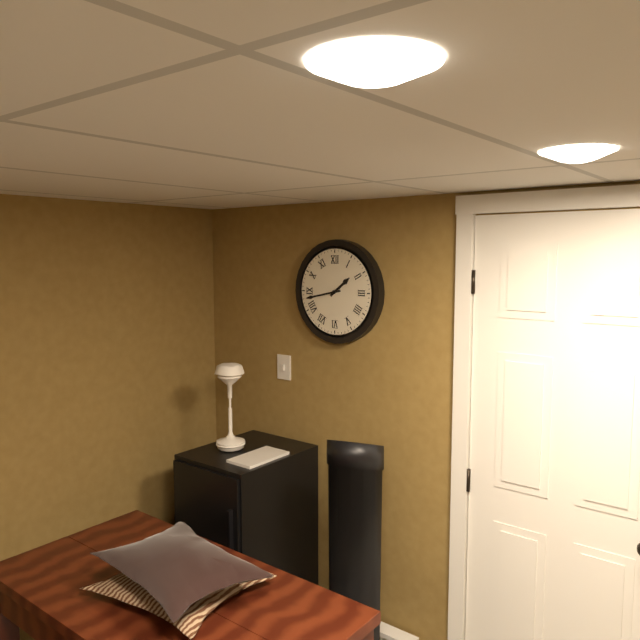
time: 1:43
